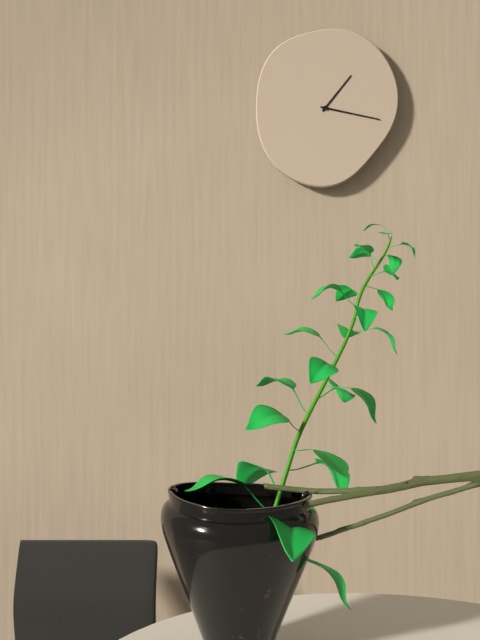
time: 1:17
